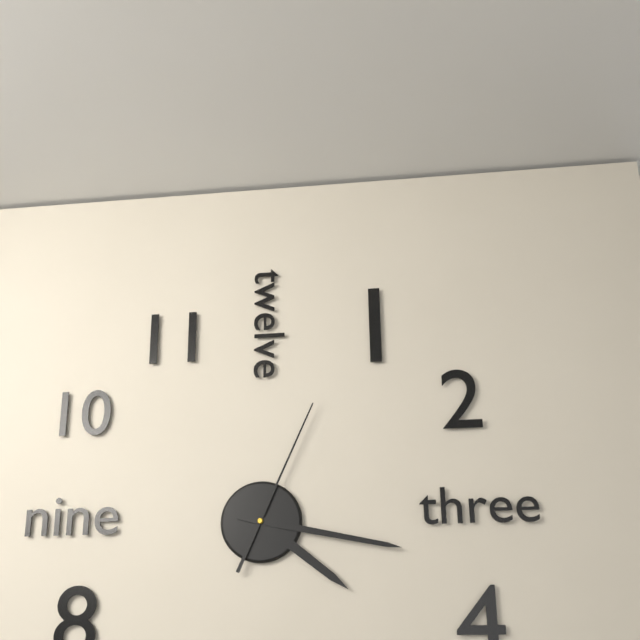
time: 4:17:04
